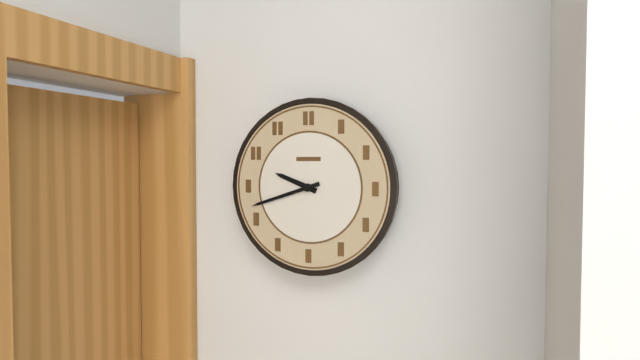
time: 9:42
